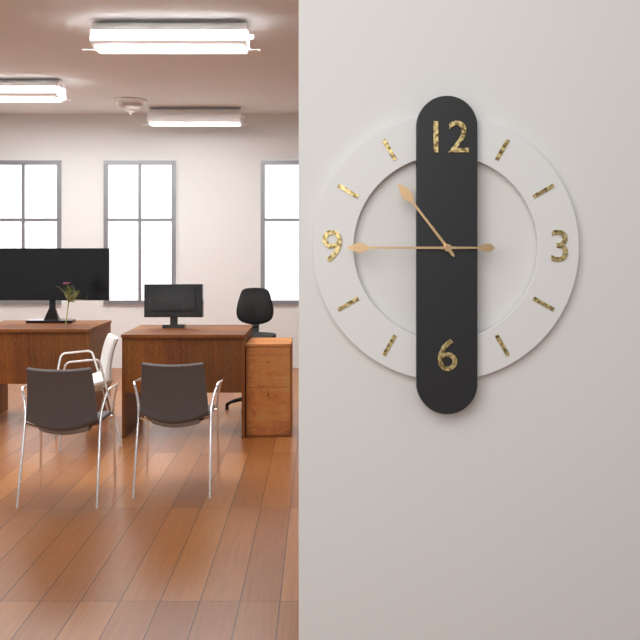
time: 10:45
